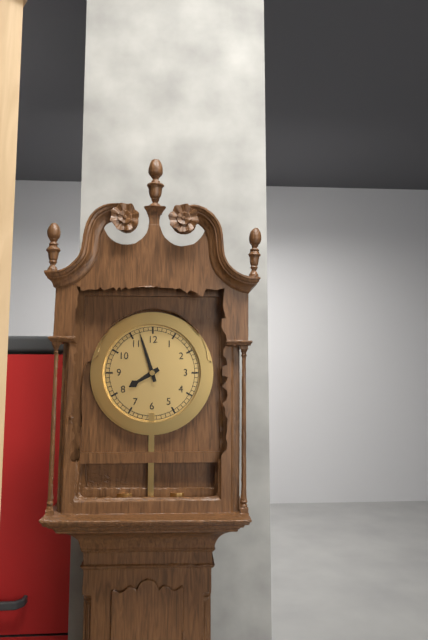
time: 7:57
